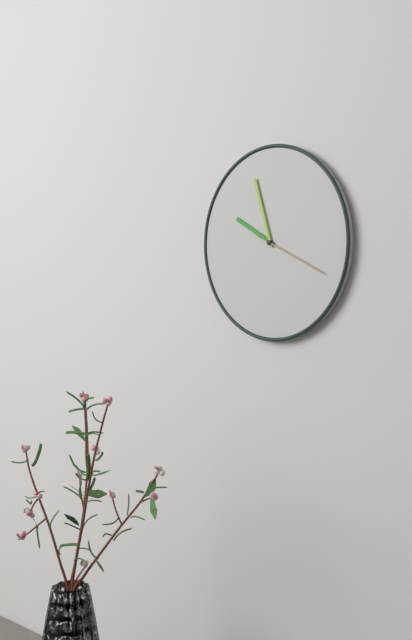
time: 9:57:19
